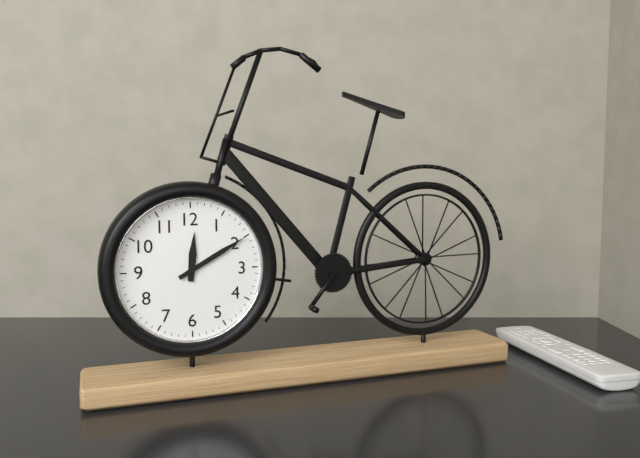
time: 12:10
